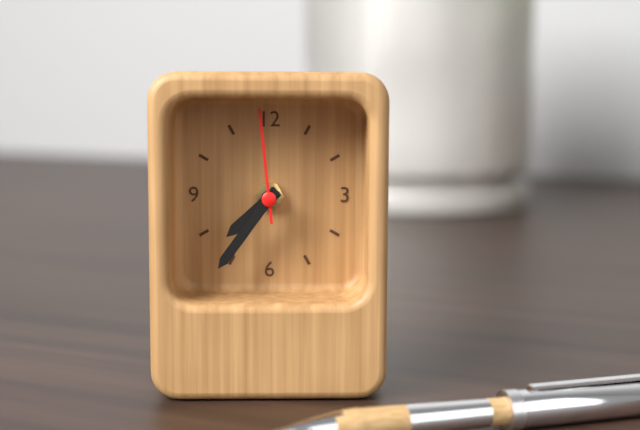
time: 7:36:59
